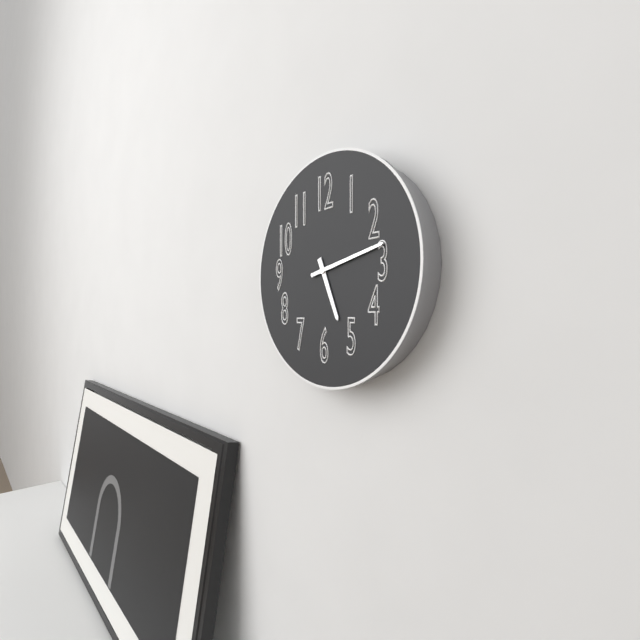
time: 5:13
